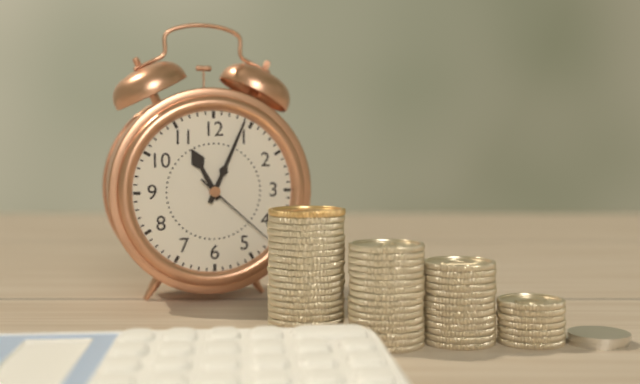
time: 11:04:22
